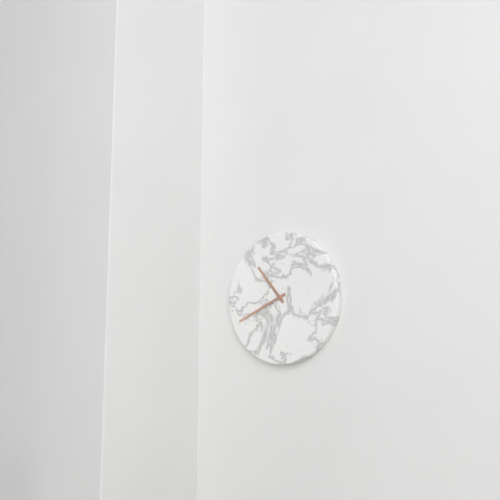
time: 10:41
